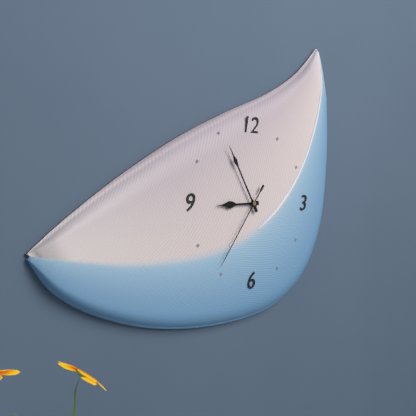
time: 8:55:36
